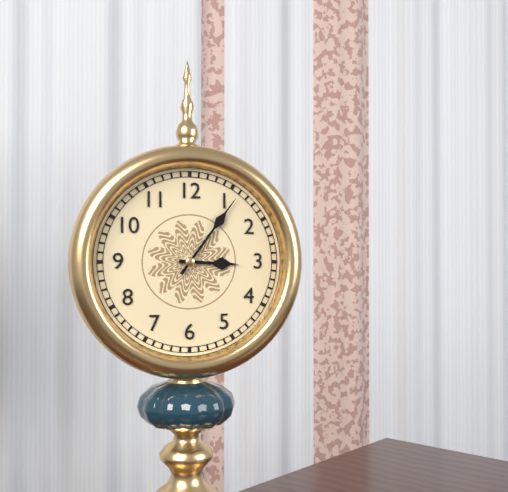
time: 3:06
